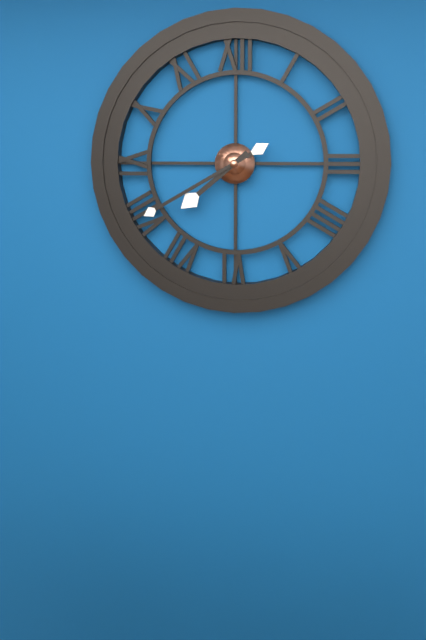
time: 7:40
